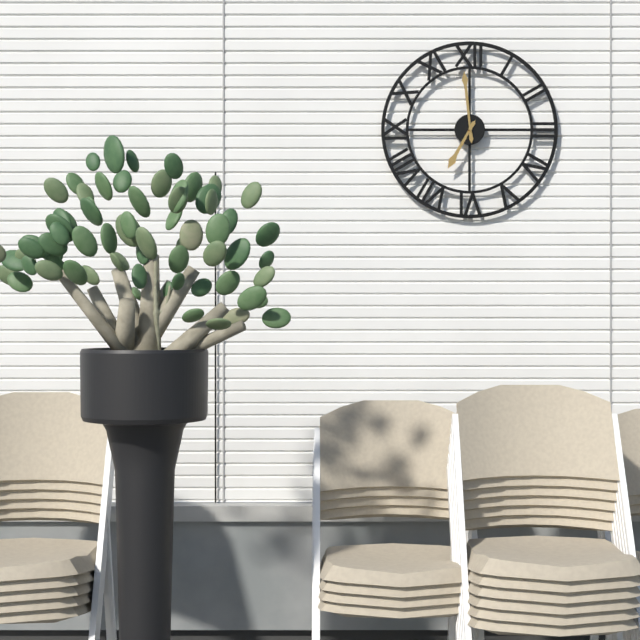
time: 6:59
